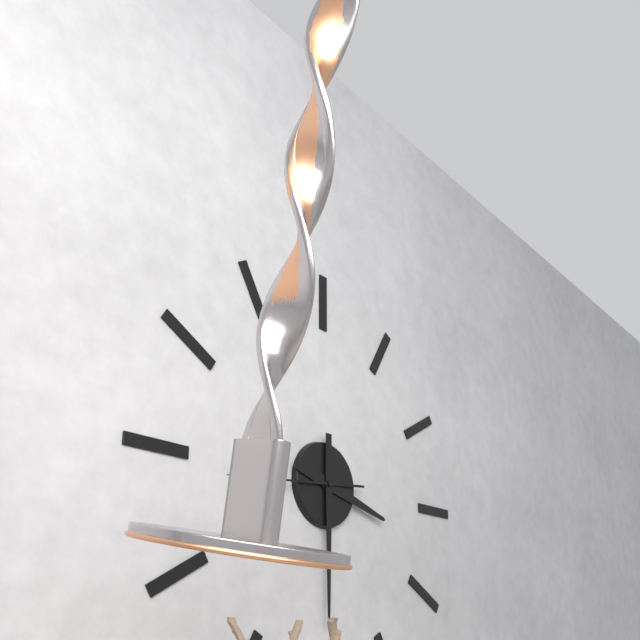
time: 3:30
